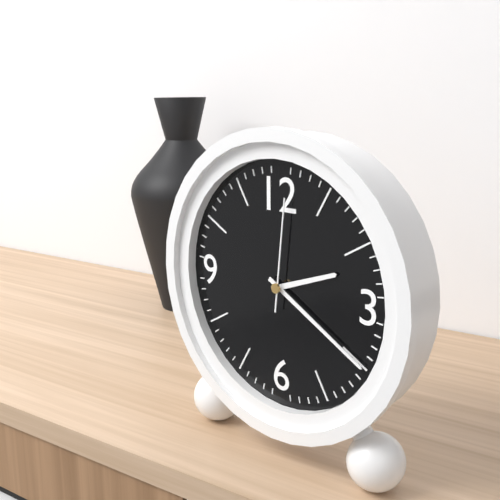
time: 2:20:01
